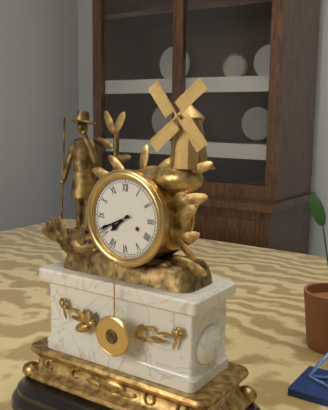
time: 7:41
